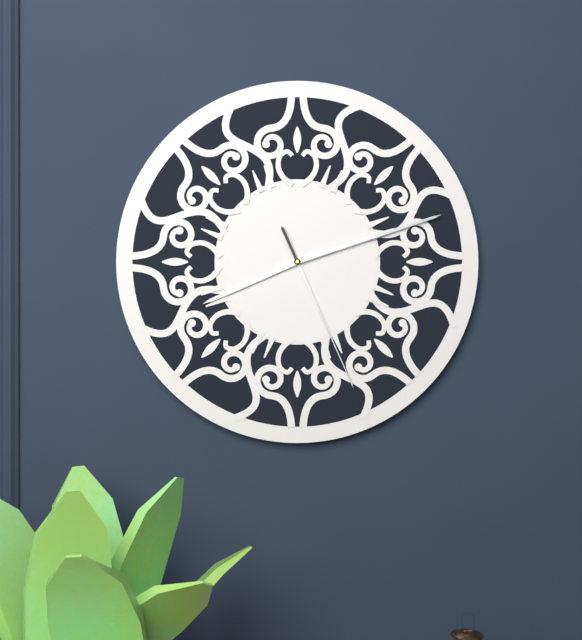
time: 8:12:26
